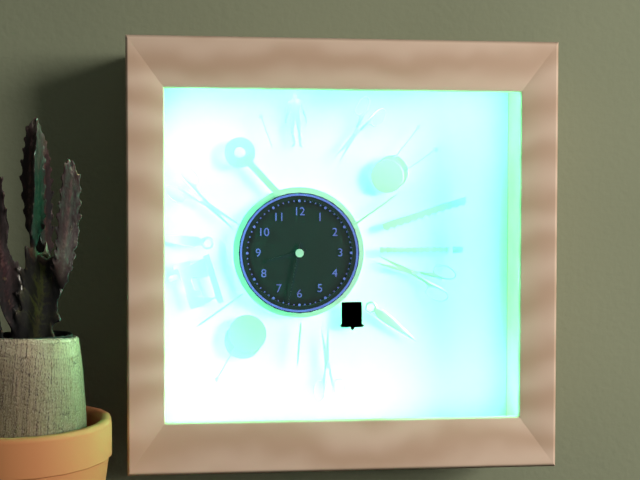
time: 8:32
